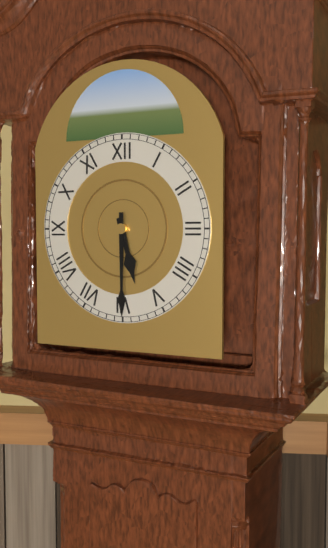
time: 5:30
